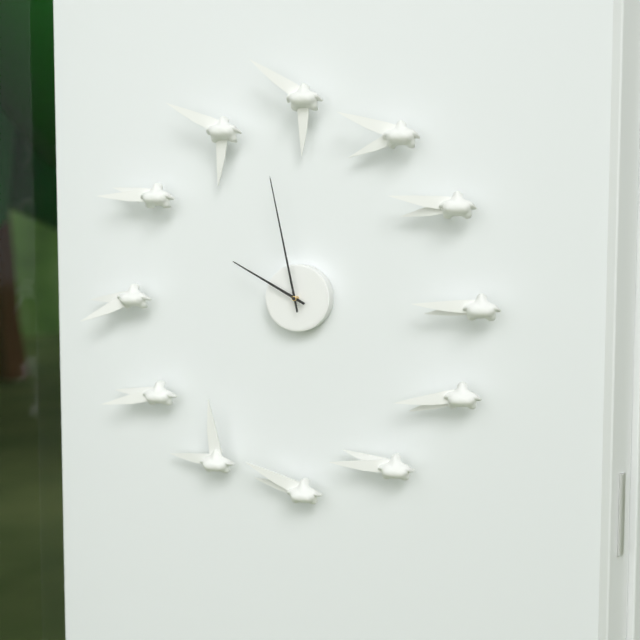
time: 9:58
